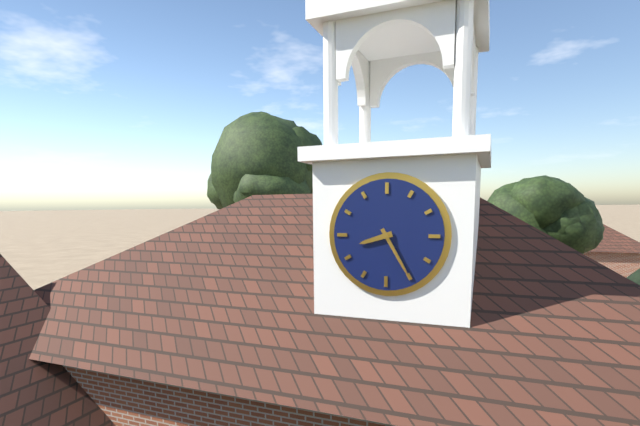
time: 8:25
